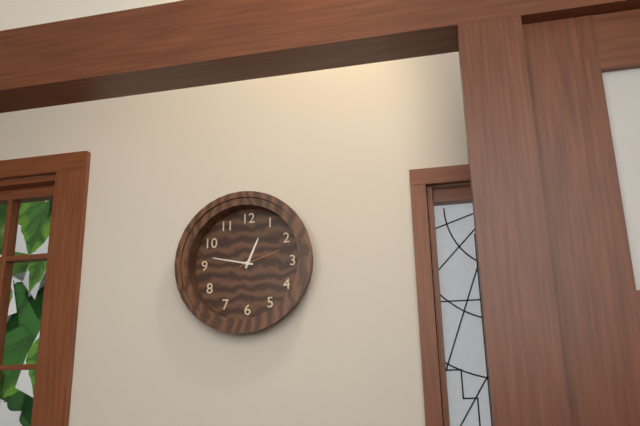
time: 12:47
